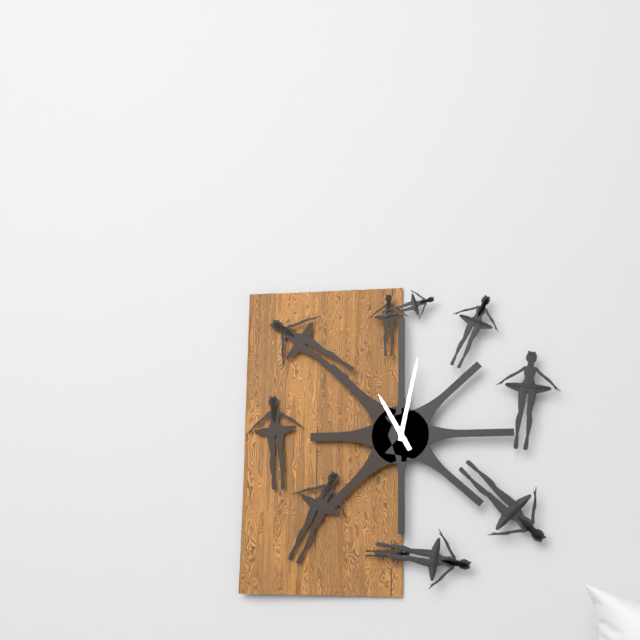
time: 11:02
